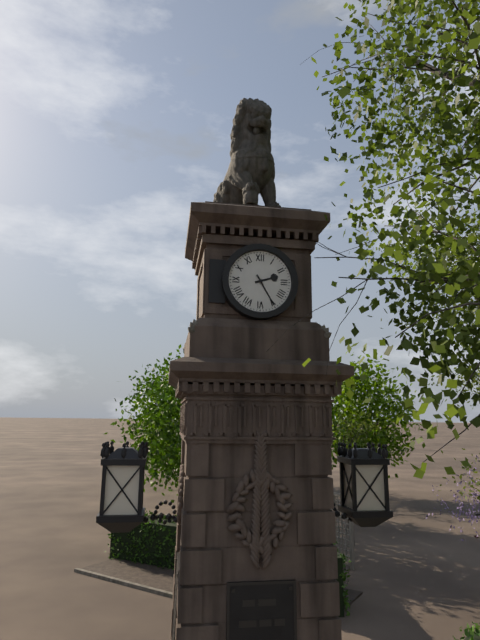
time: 2:25
